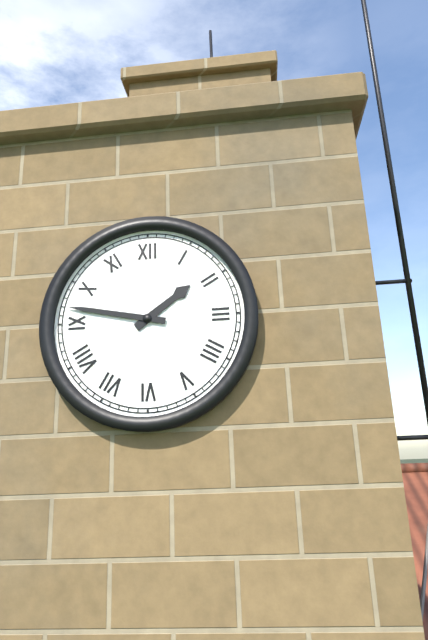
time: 1:47
